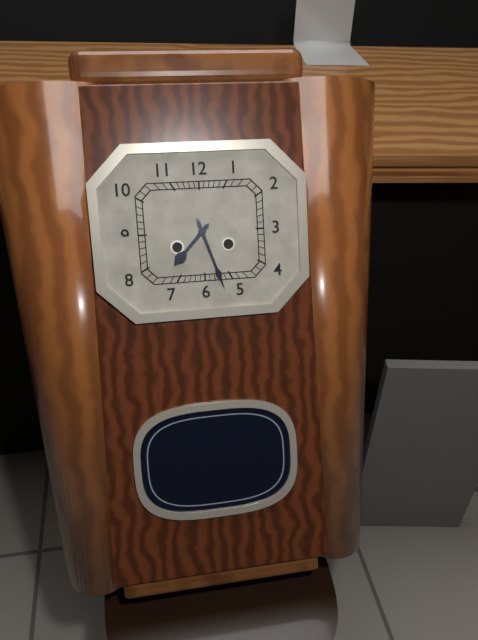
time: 7:27
